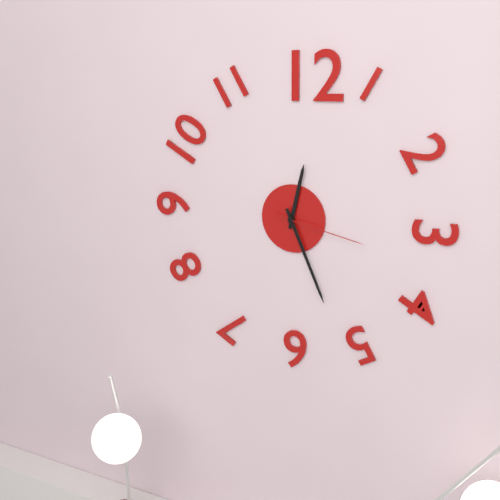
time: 12:26:17
